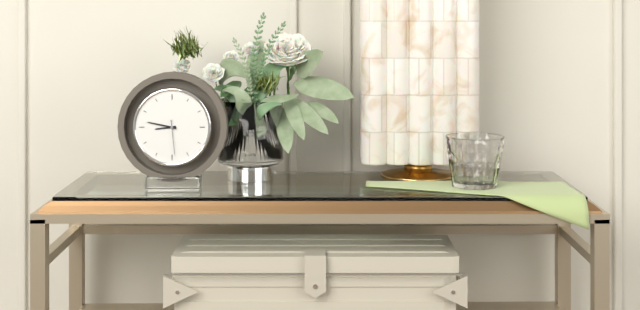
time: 8:47
